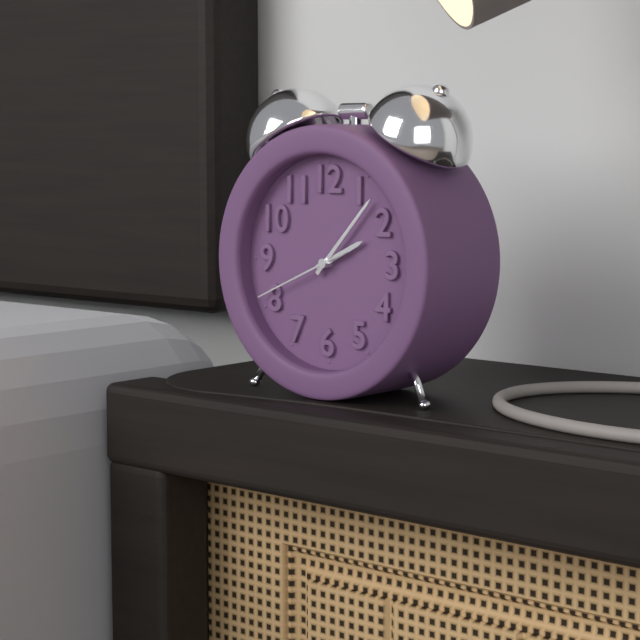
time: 2:07:41
